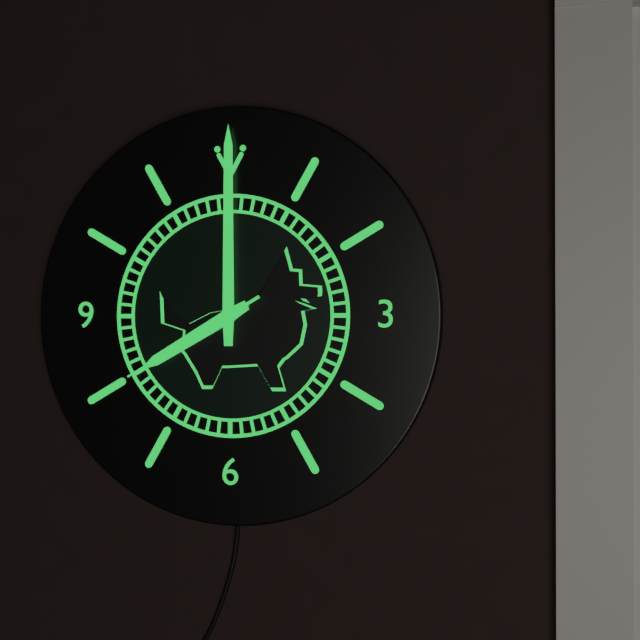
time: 8:00:40
